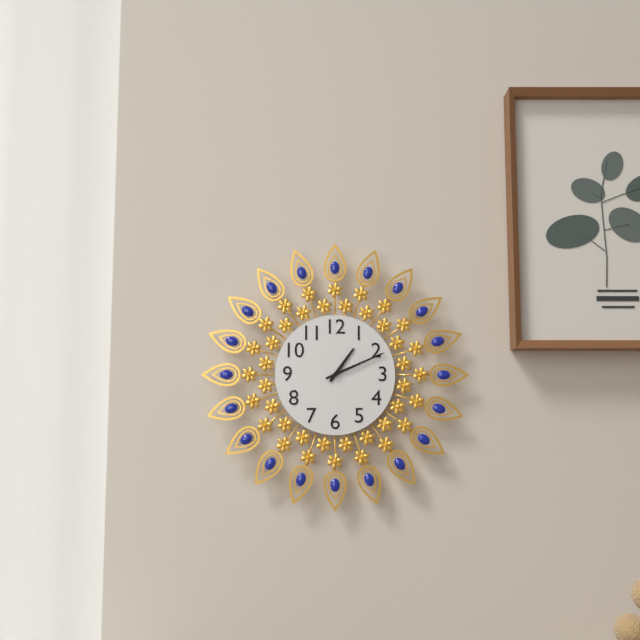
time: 1:11
